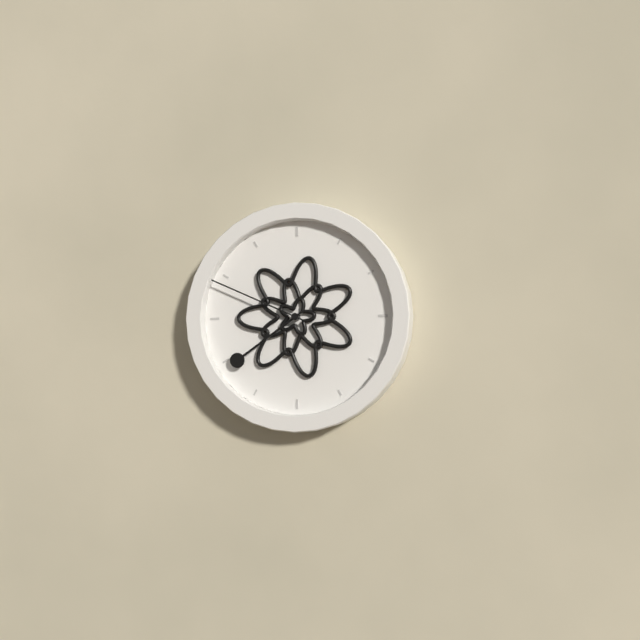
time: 7:49
